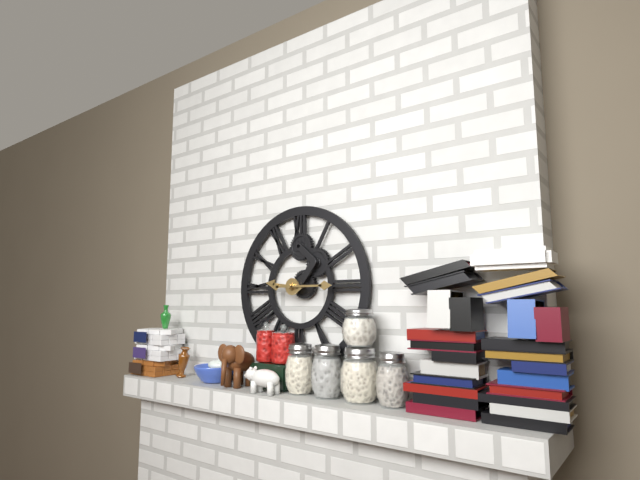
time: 9:15
